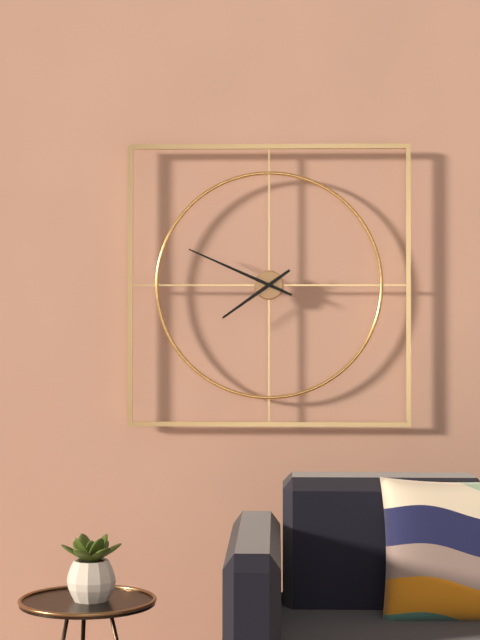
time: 7:49
